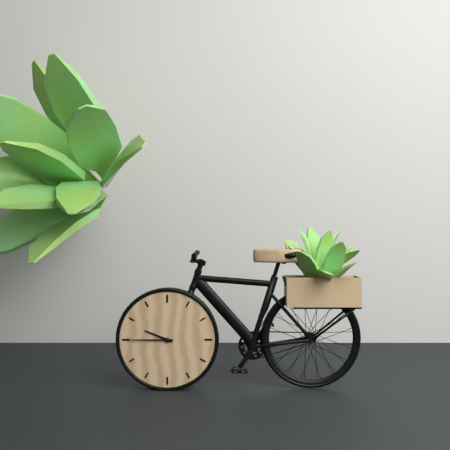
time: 9:45
